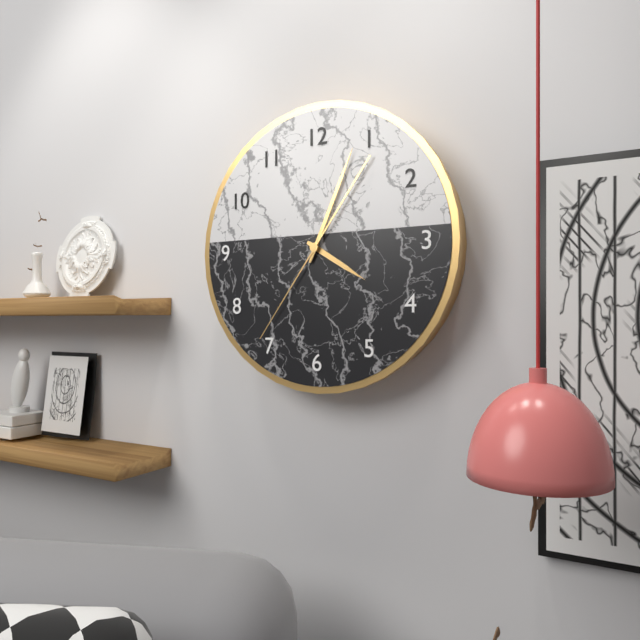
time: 4:04:36
